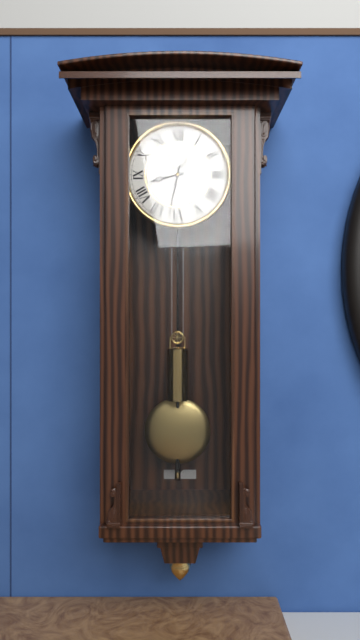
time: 8:32
